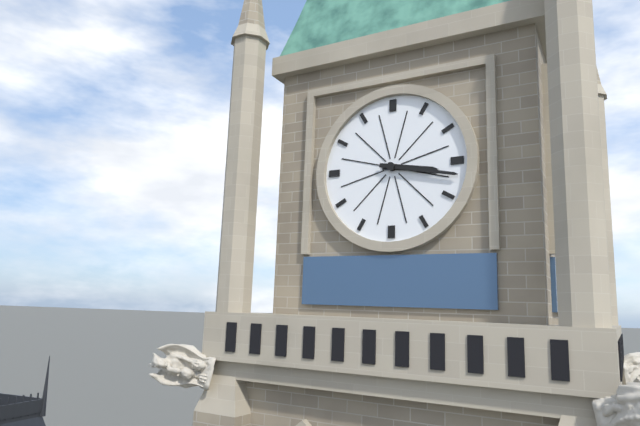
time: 3:17
